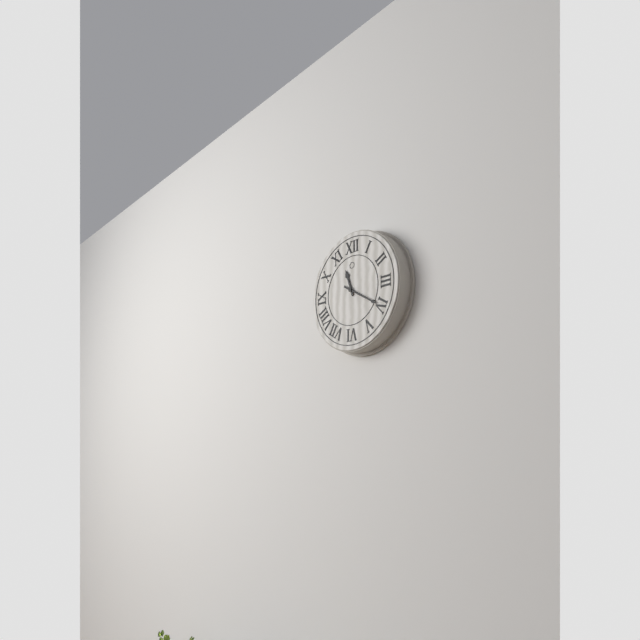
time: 11:20
